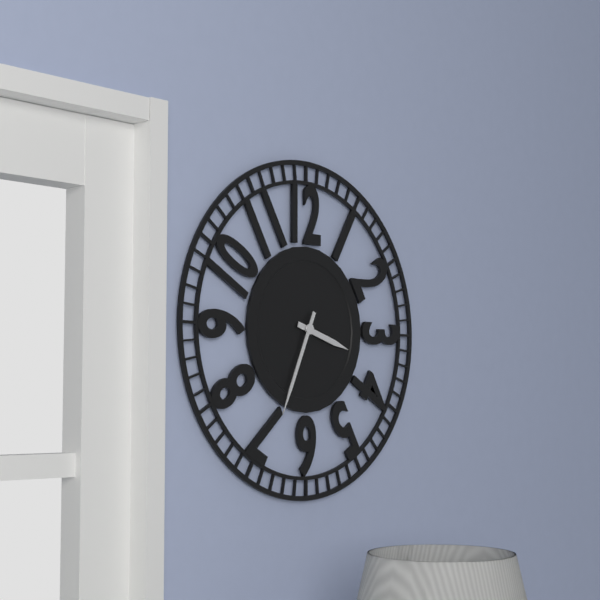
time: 3:34
